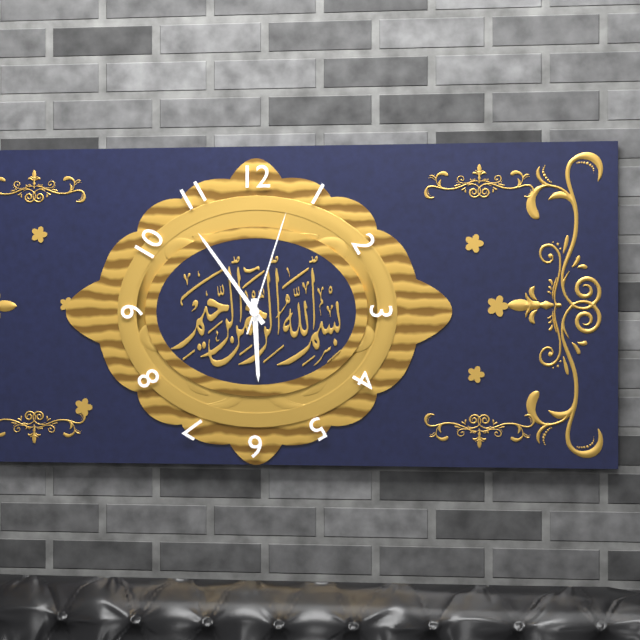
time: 5:54:03
